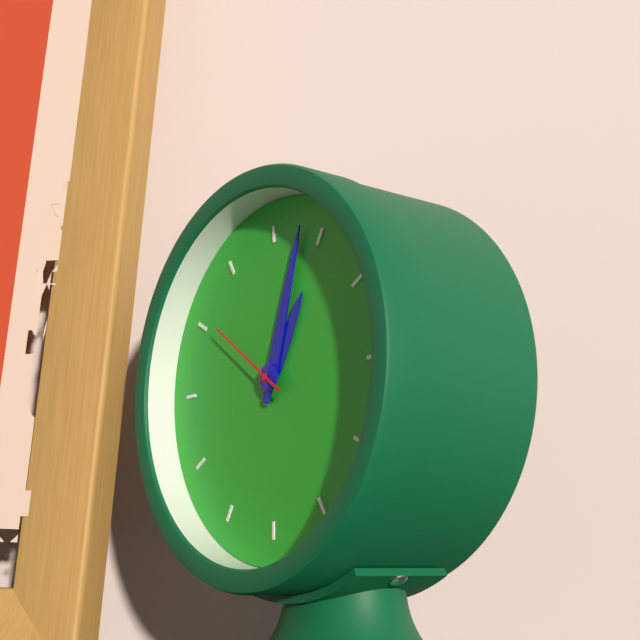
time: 1:03:51
